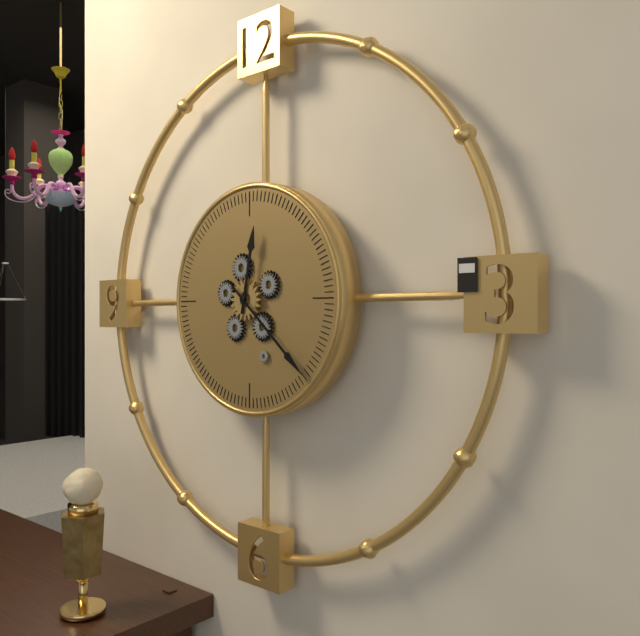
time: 12:22
